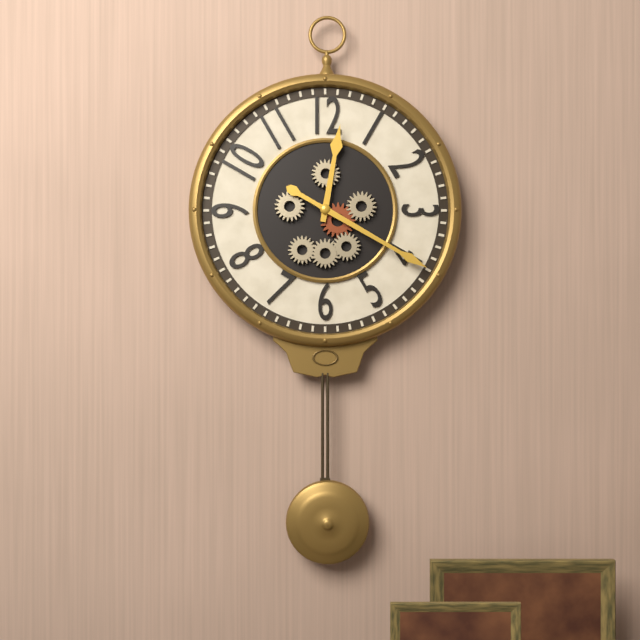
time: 12:20
